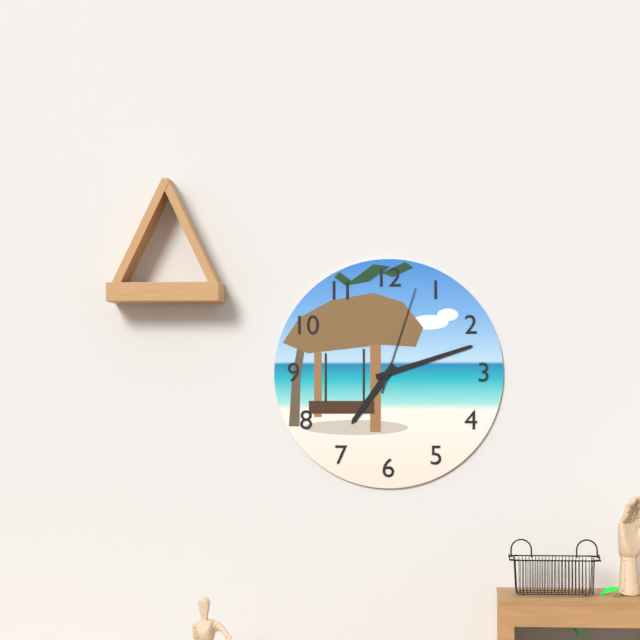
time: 7:12:03
